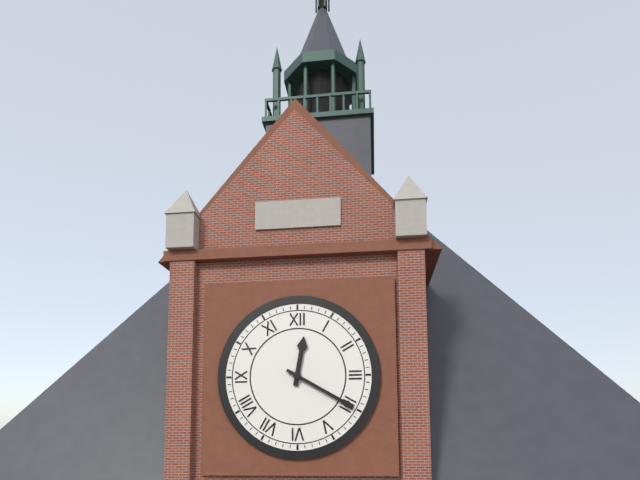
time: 12:20
